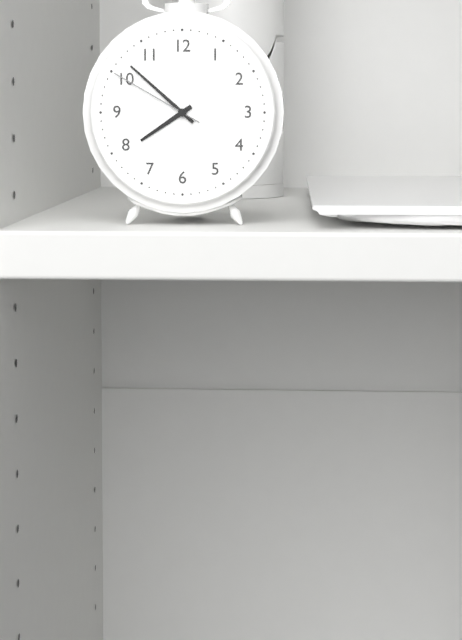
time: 7:52:50
